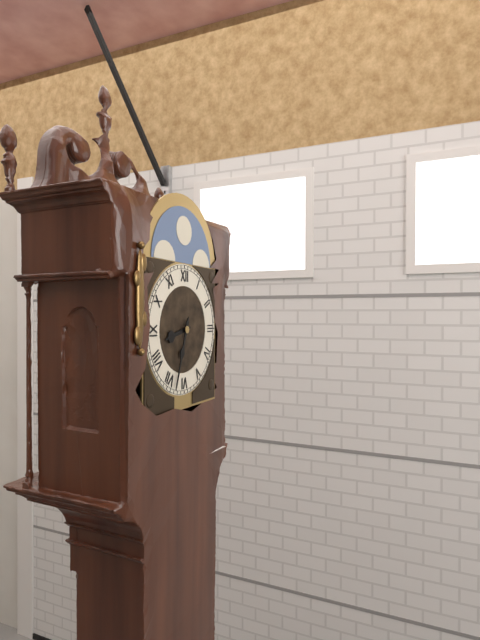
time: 8:33
